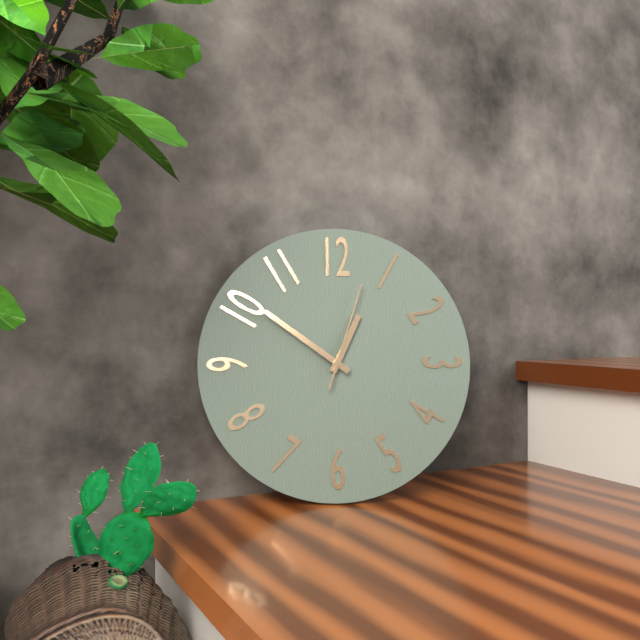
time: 12:51:03
